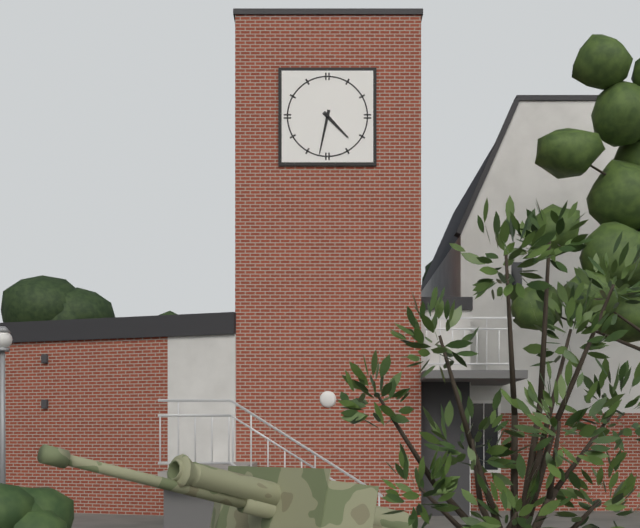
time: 4:32
